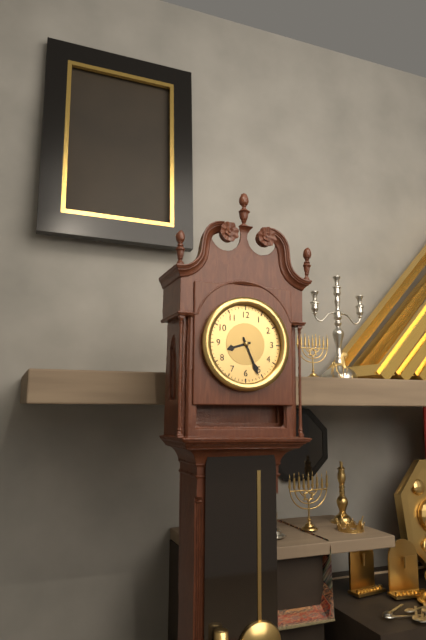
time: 8:26
